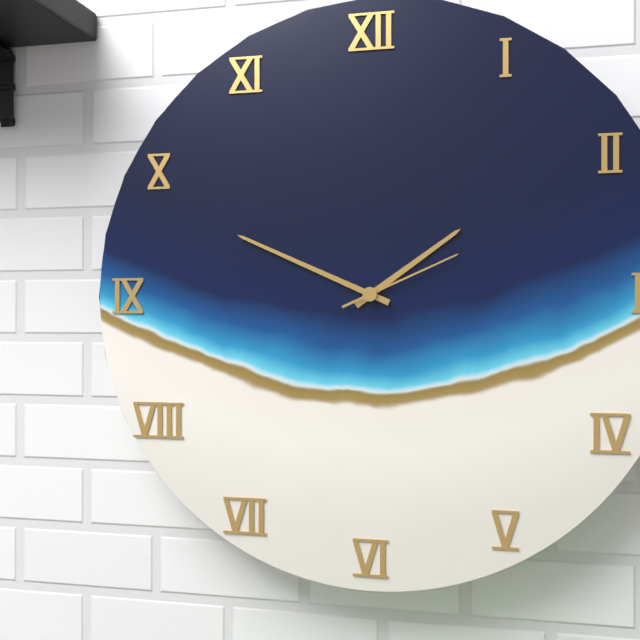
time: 1:49:11
